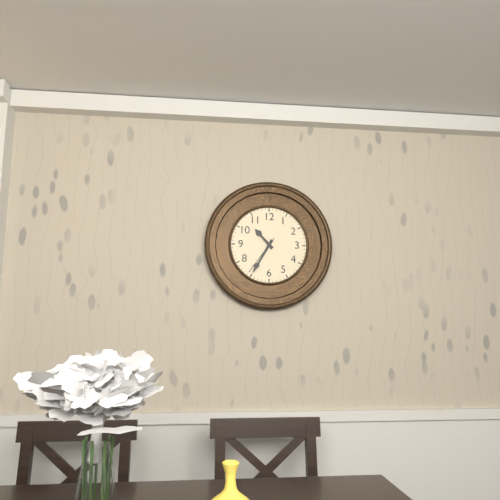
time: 10:35
